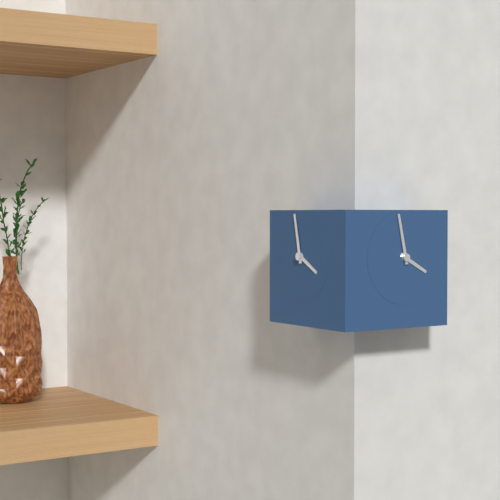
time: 3:58
